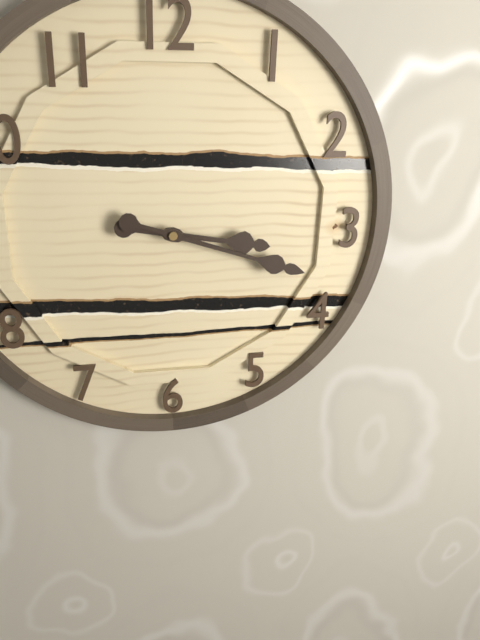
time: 3:18
